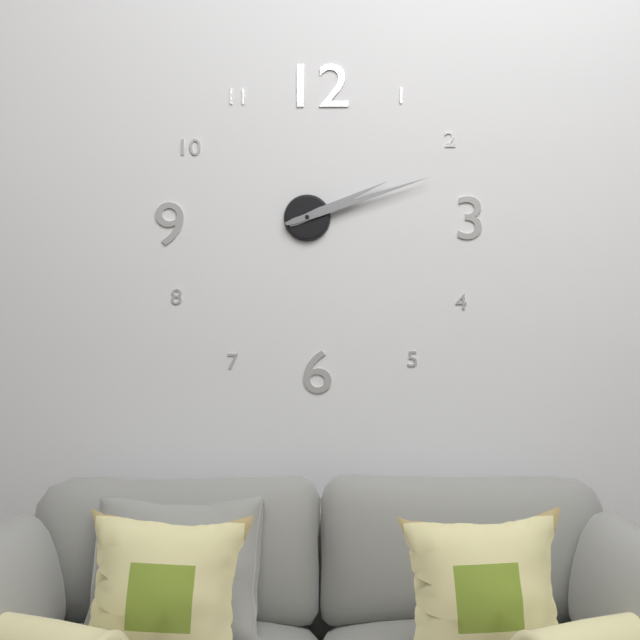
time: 2:12
